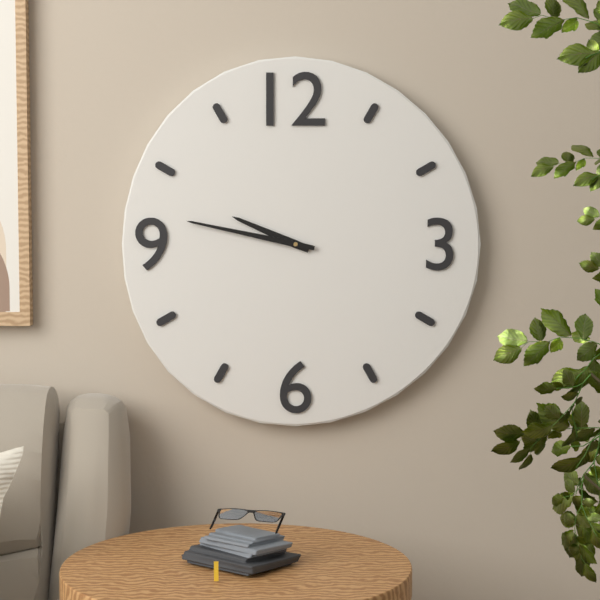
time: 9:47
